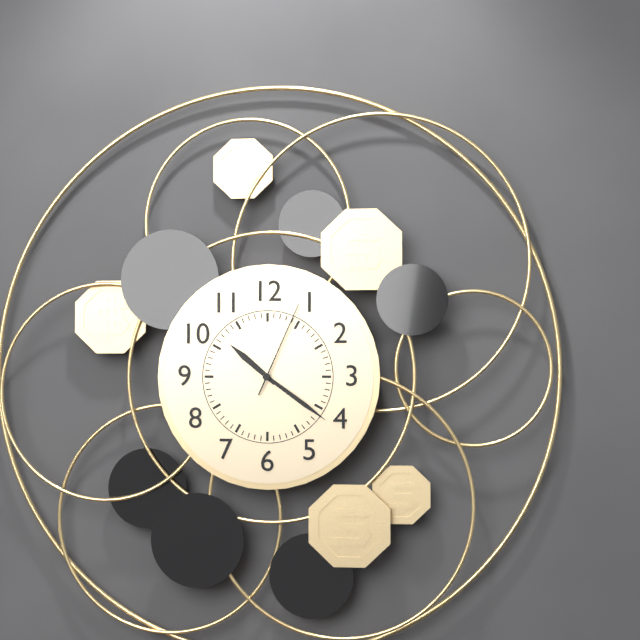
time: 10:21:04
